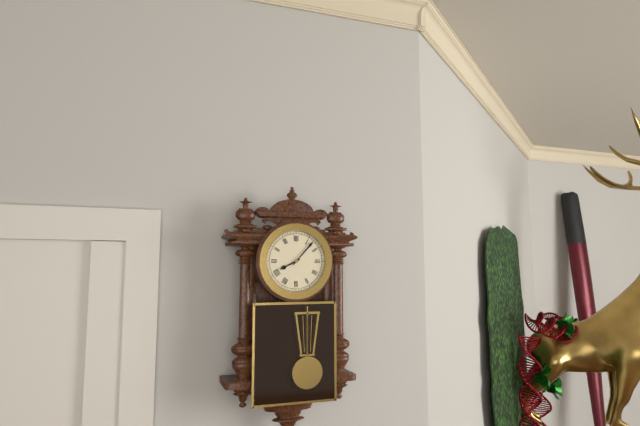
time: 8:07
